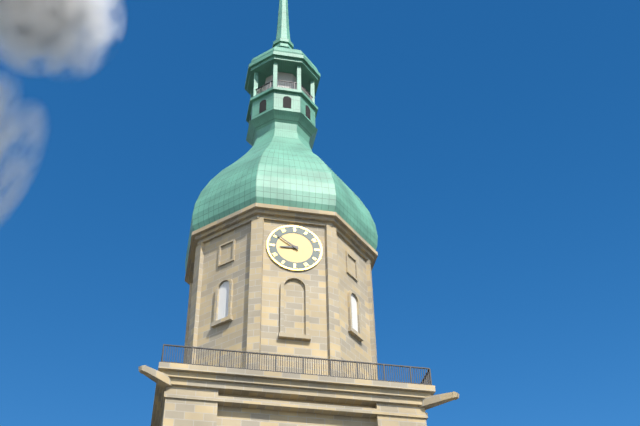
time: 8:51
